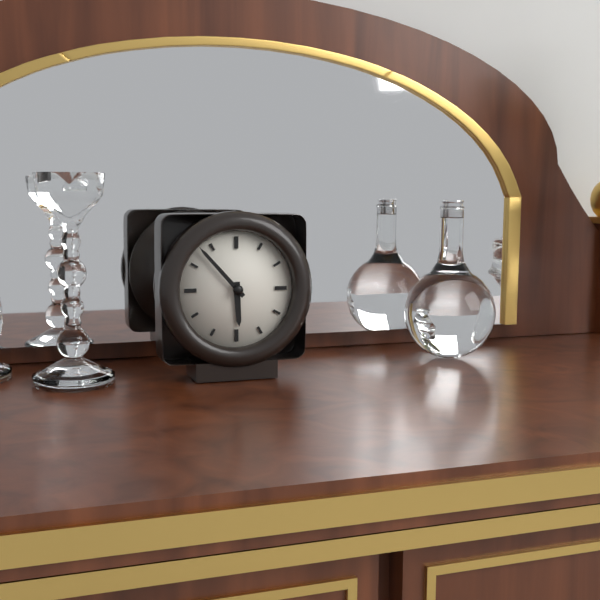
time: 5:53
